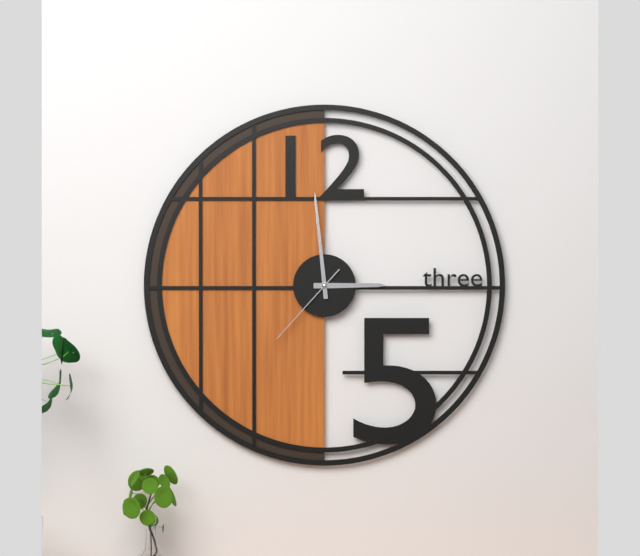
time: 2:59:37
